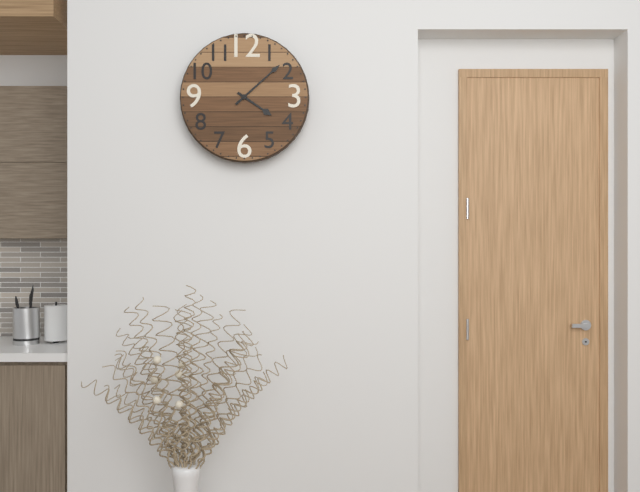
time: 4:08
